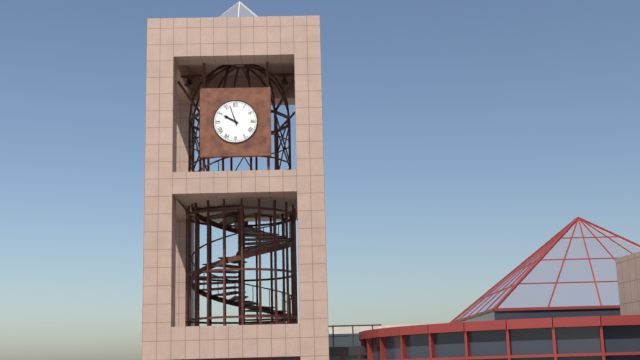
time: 9:57
